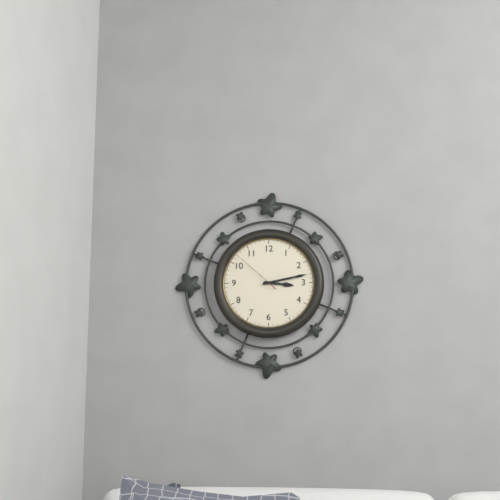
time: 3:13:52
